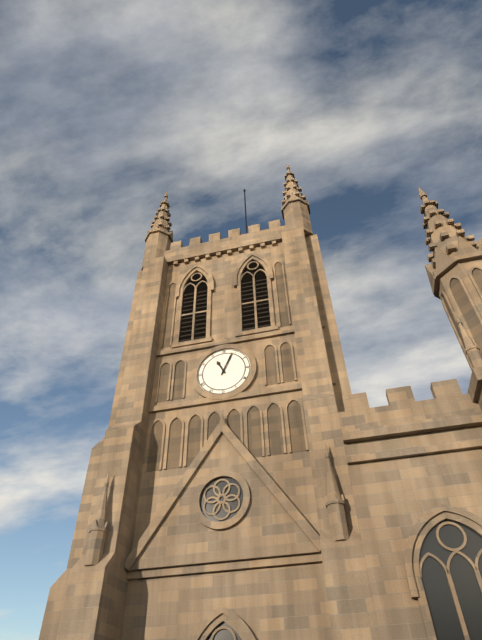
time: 11:04
